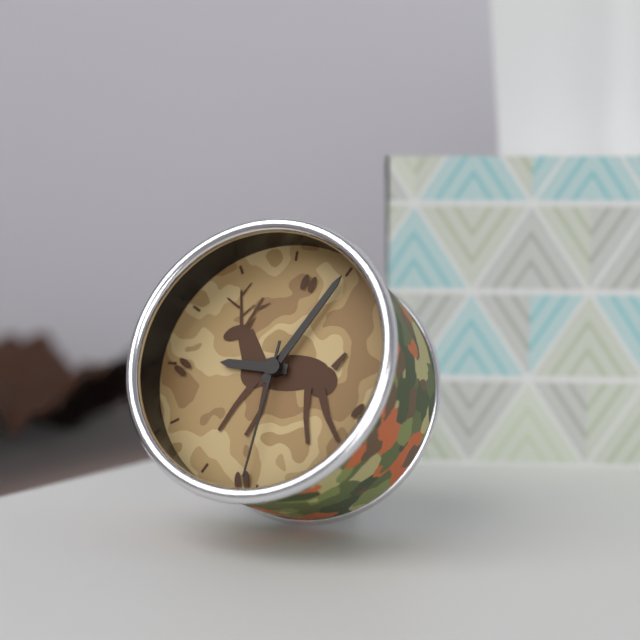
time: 9:05:31
